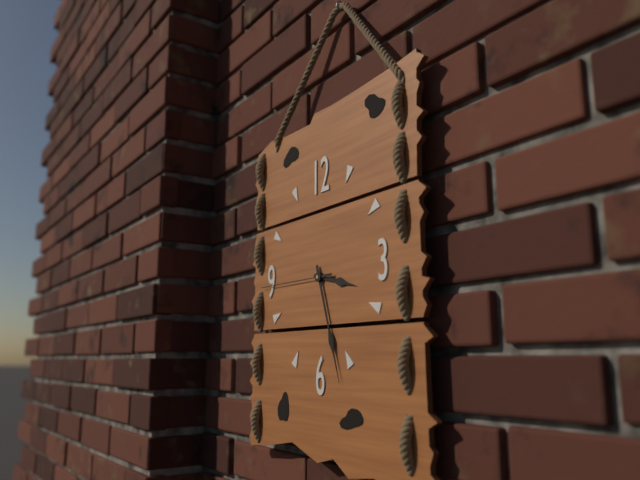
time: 3:27:45
